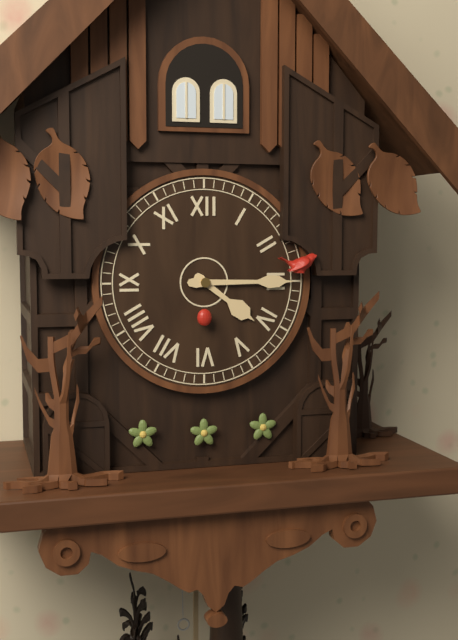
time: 4:15
